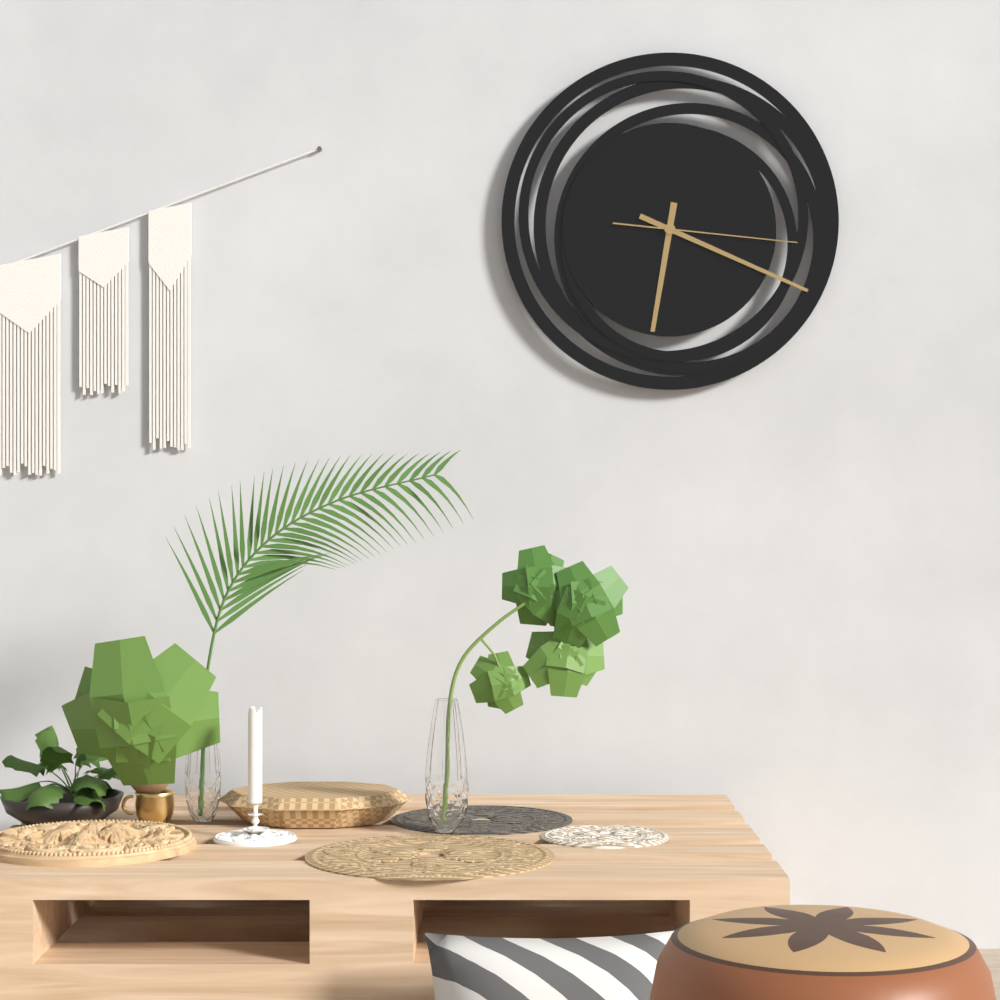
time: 6:19:16
